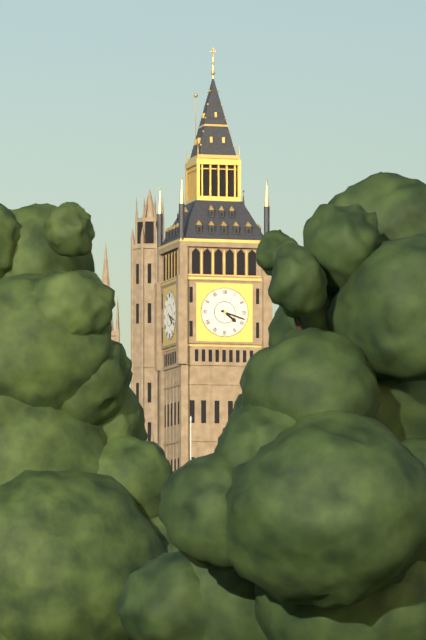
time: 4:18
